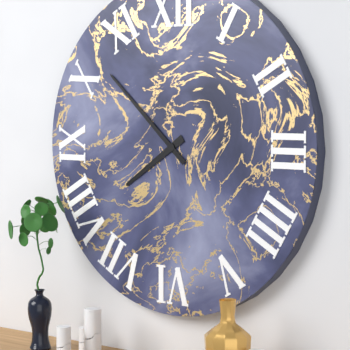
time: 7:52
